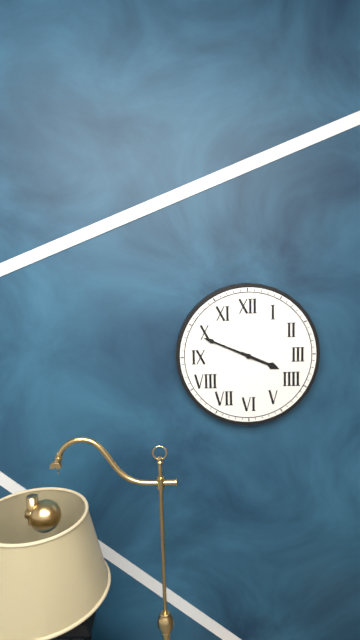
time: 3:49
